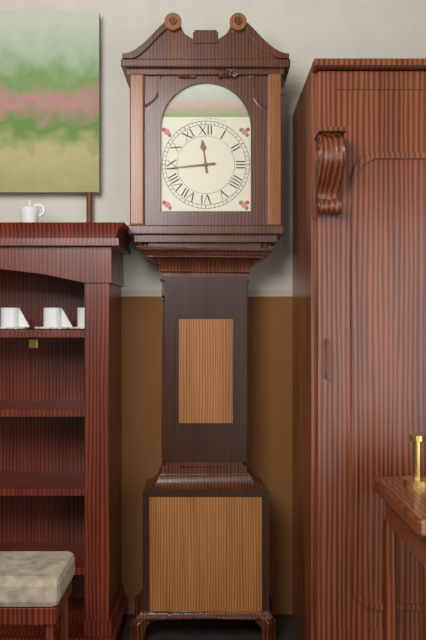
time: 11:44
